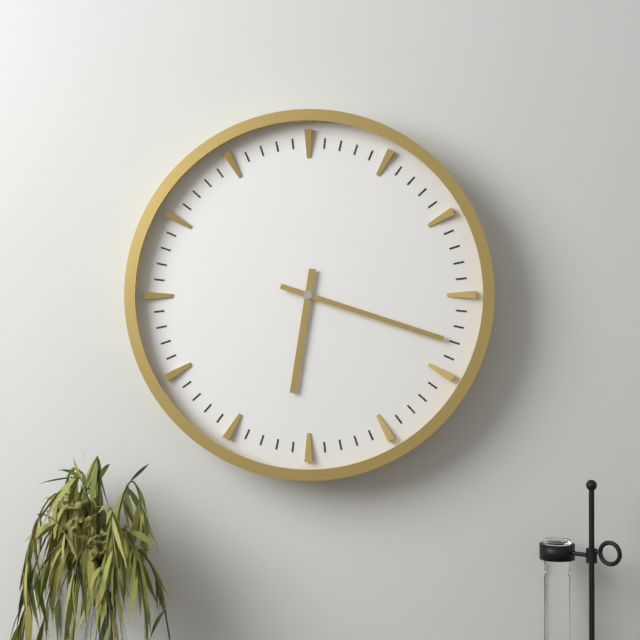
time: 6:18
